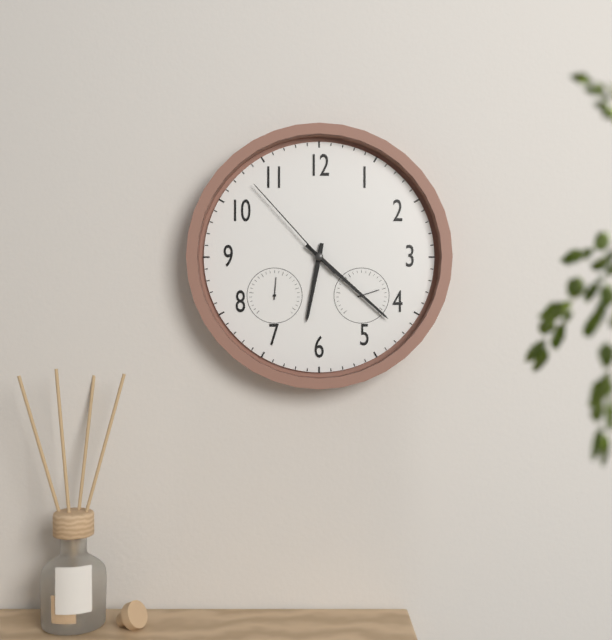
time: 6:22:53
